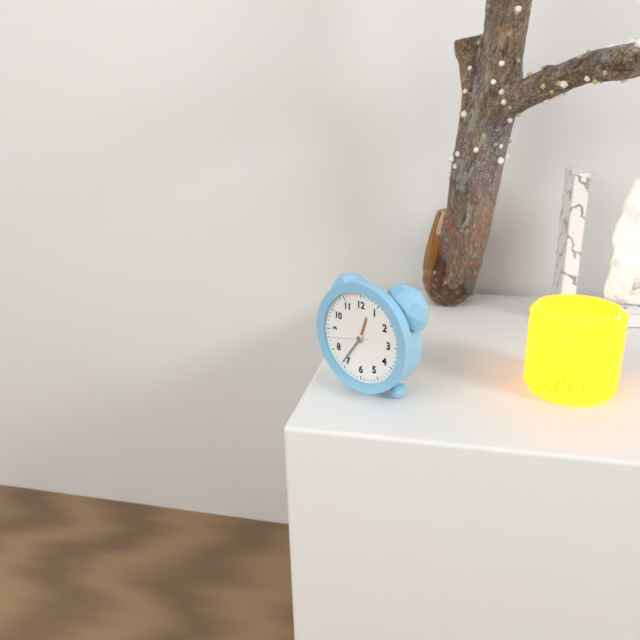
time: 12:36
